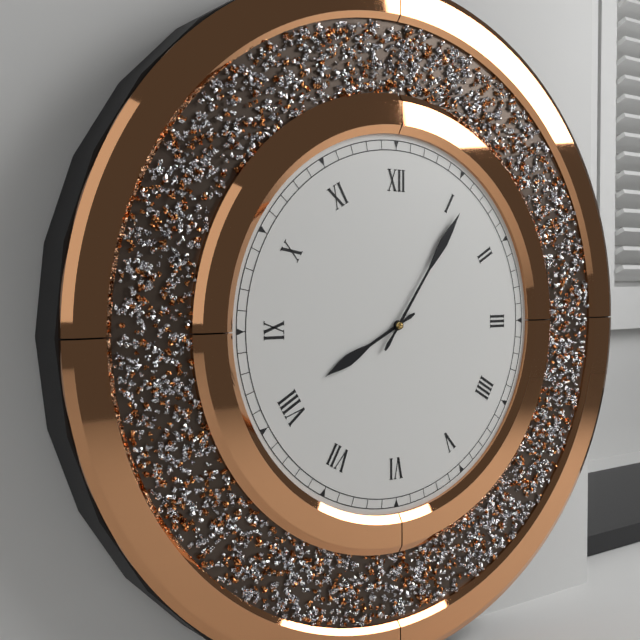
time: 8:06
